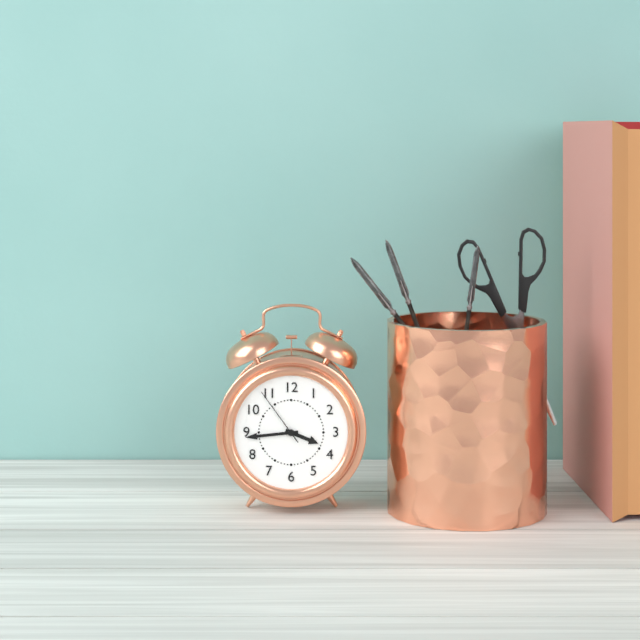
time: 3:44:54
